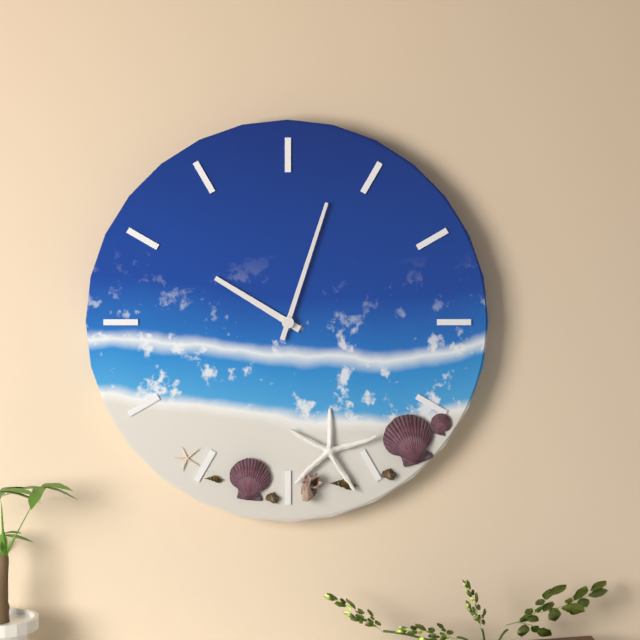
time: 10:03
